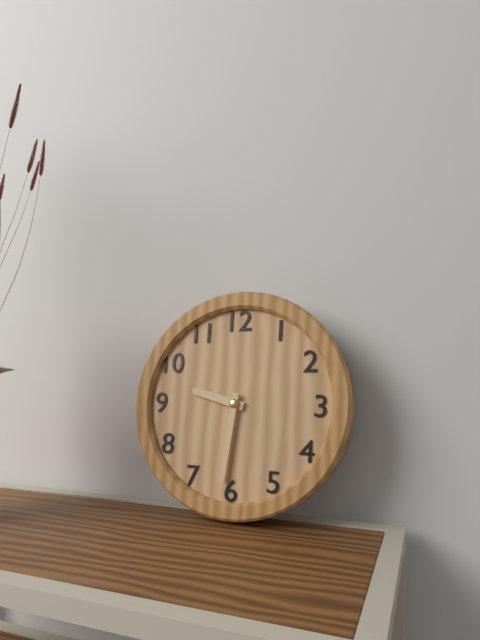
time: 9:31
